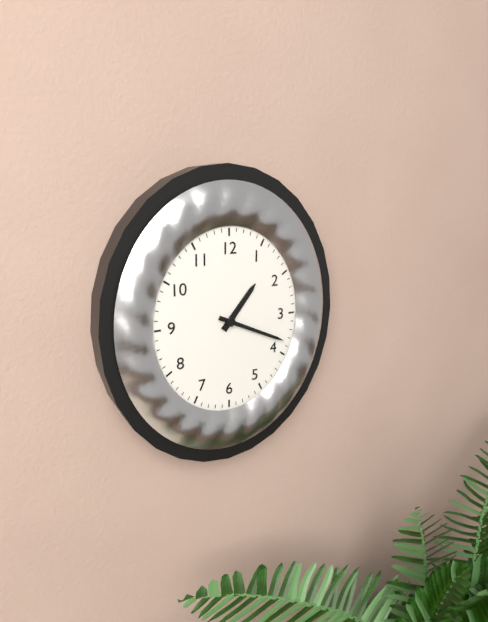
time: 1:19
